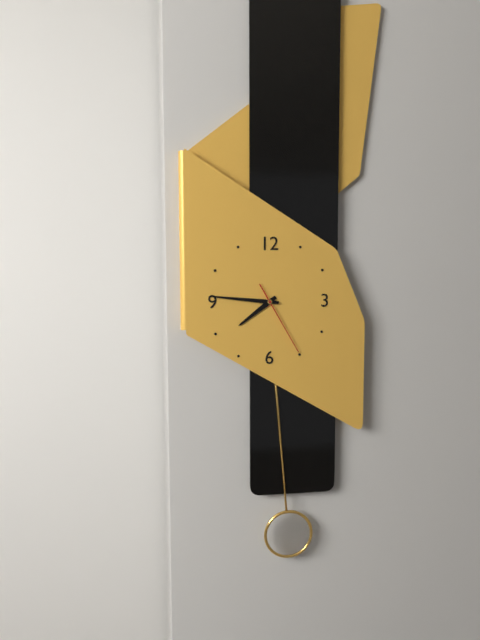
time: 7:46:25
